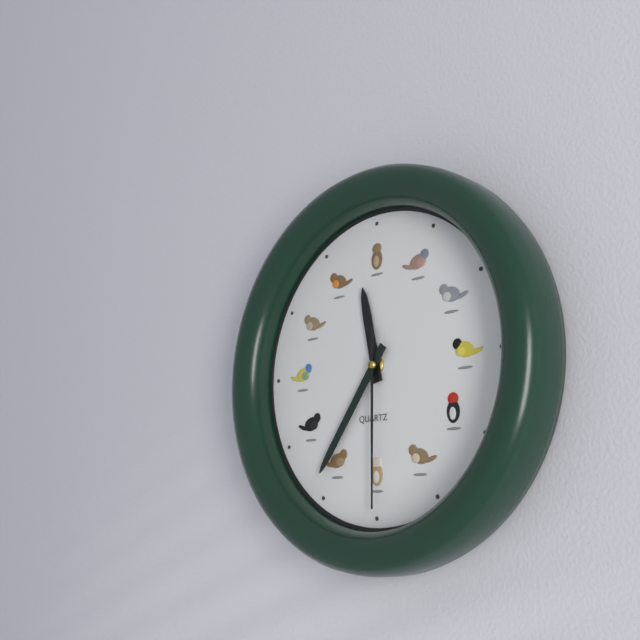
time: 11:36:30
